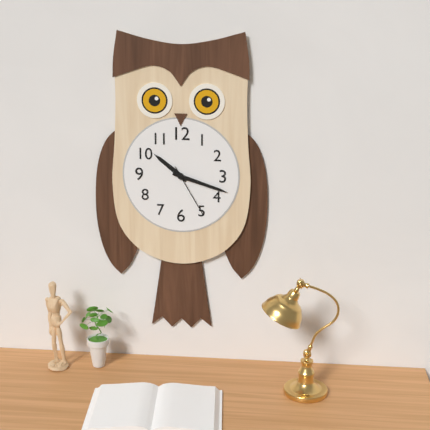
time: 10:18:25
